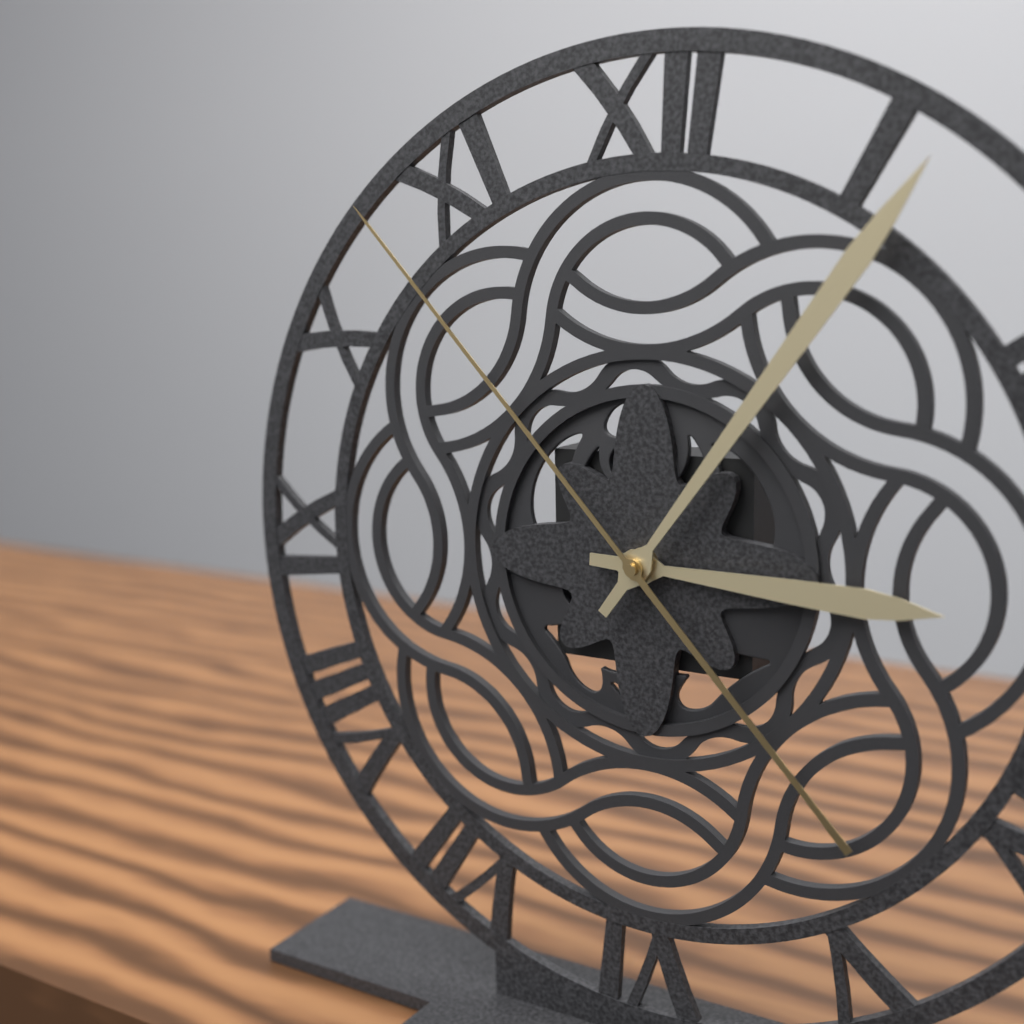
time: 3:06:53
